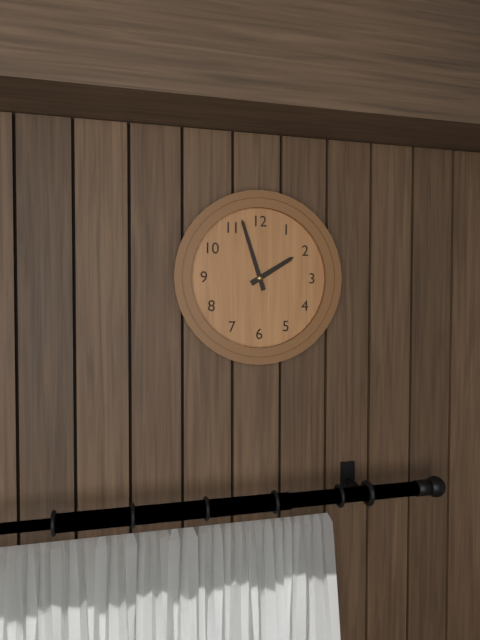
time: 1:57
